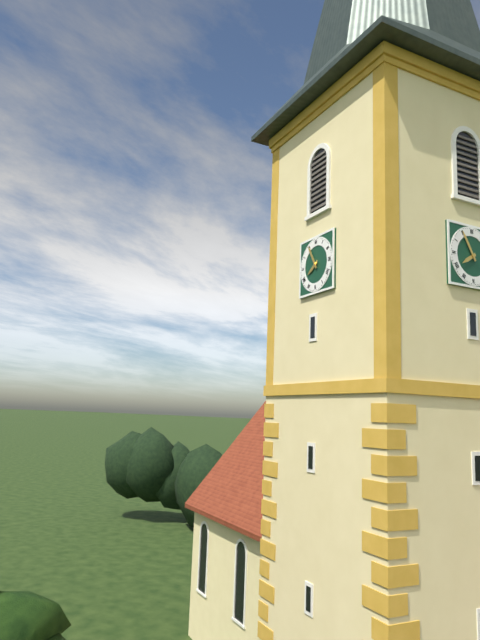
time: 7:55
